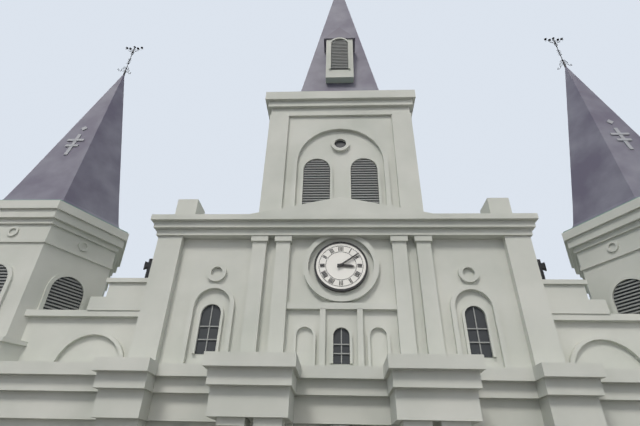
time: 3:09
